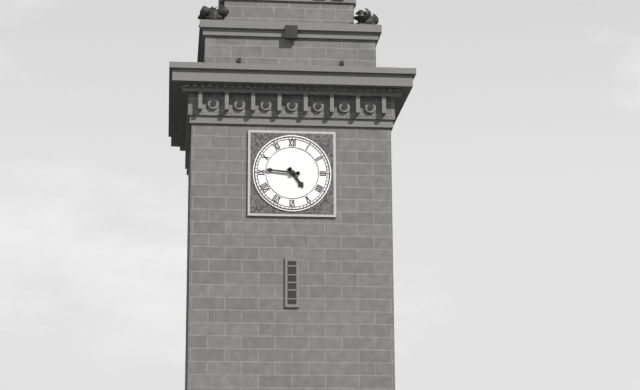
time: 4:46
